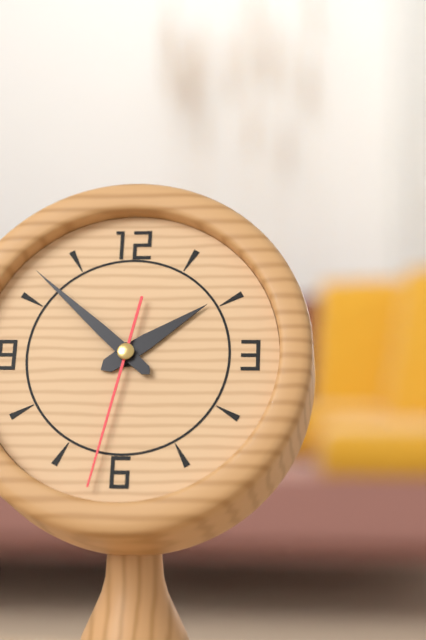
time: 1:52:32
